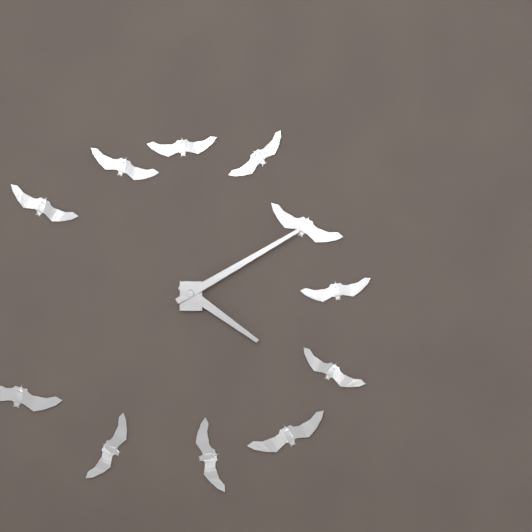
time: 4:10
